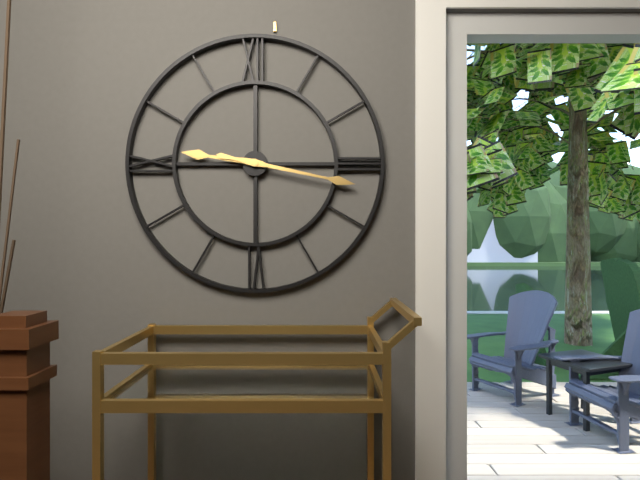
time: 9:17
